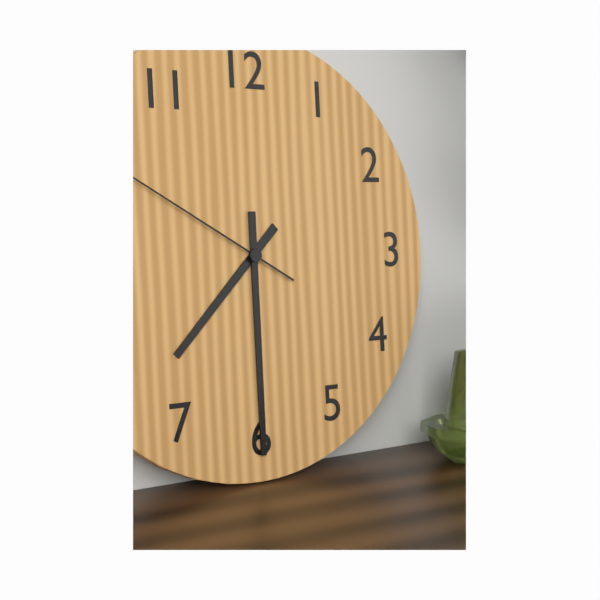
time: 7:30:50
